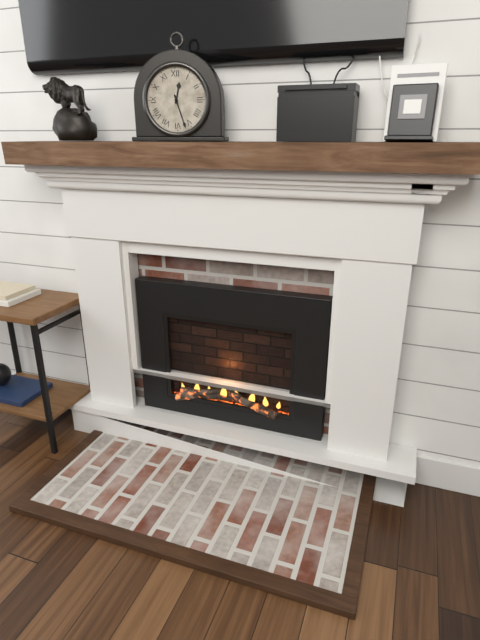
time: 12:27
